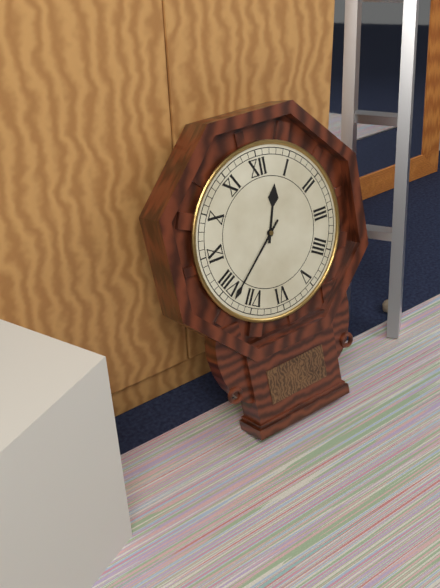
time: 12:38
